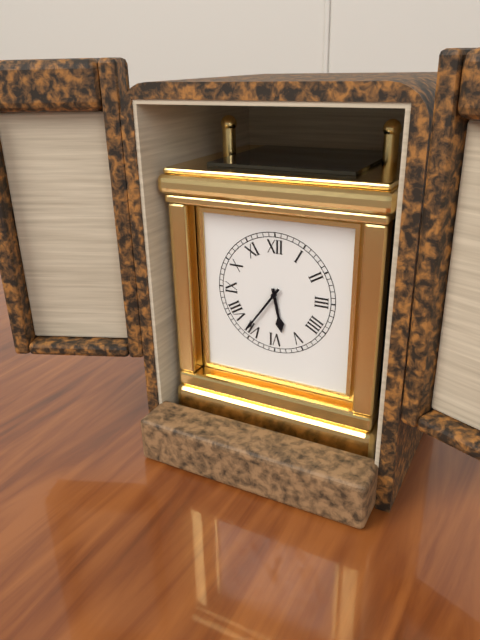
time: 5:36
